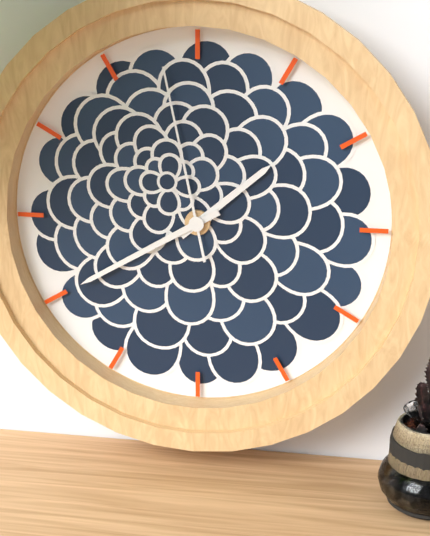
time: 1:40:58
